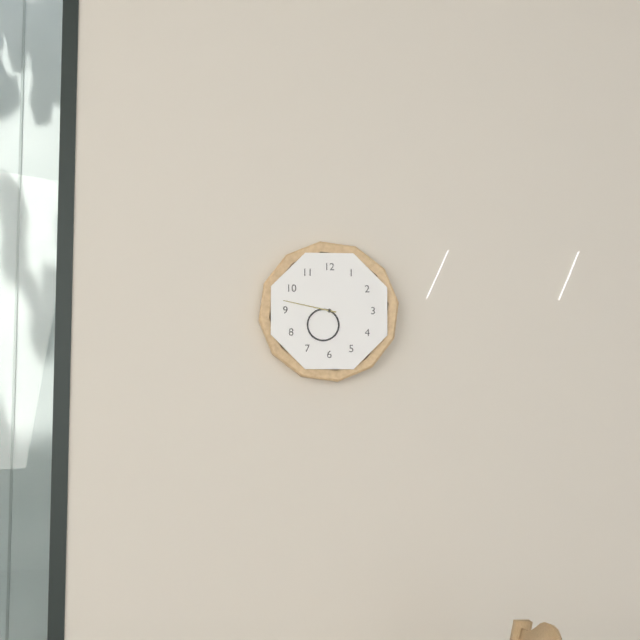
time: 6:47
